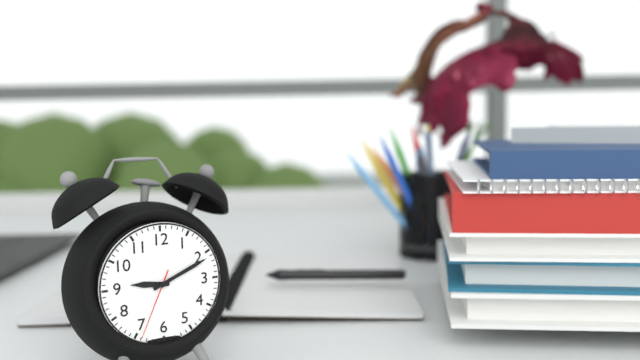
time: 9:11:34
